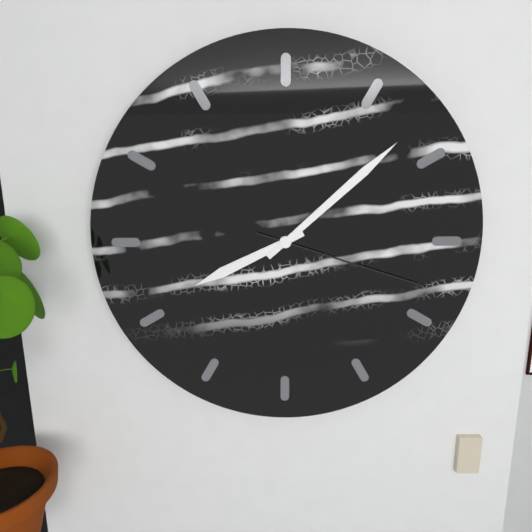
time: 8:08:18
